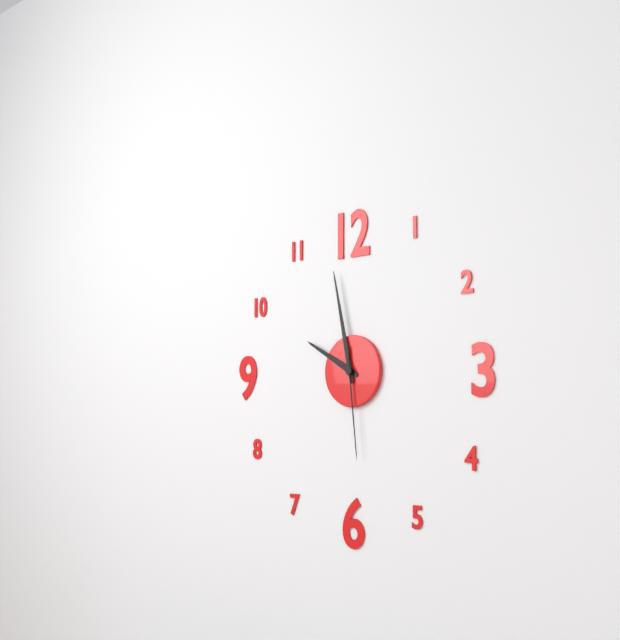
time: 9:58:29
